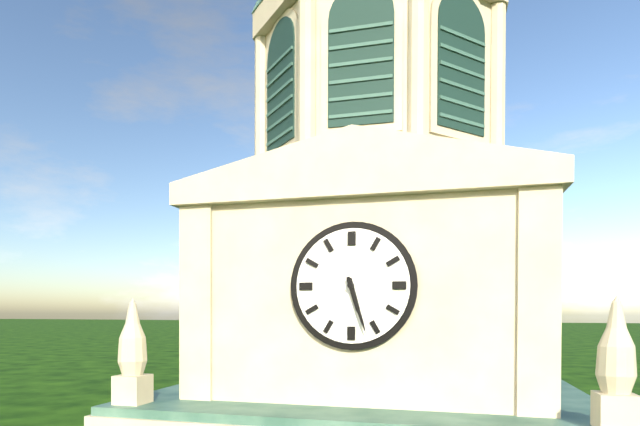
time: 5:27
